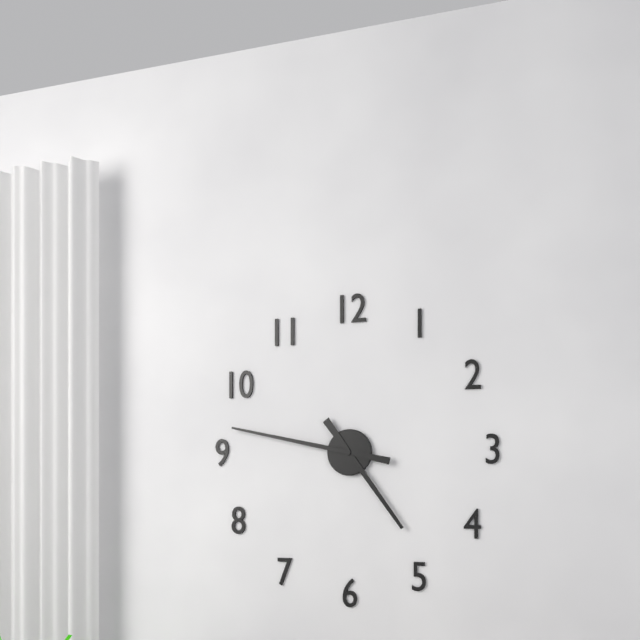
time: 4:47
